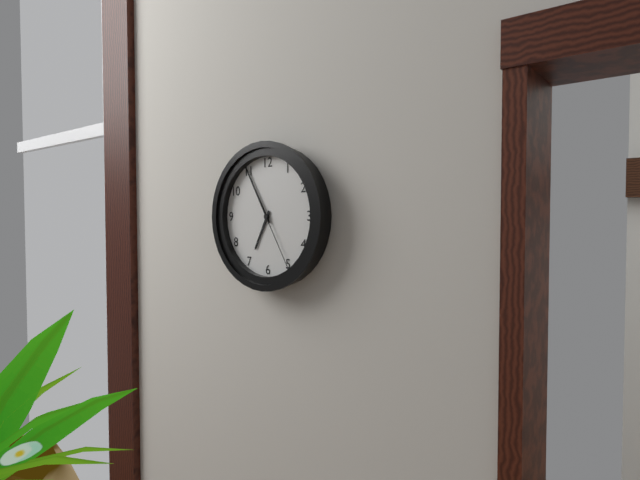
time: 6:55:25
